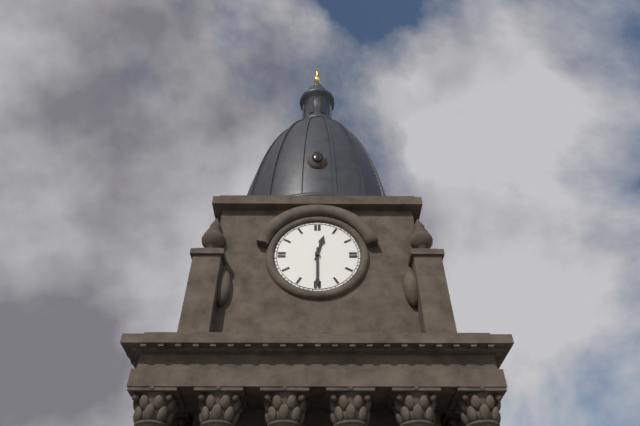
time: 12:30
